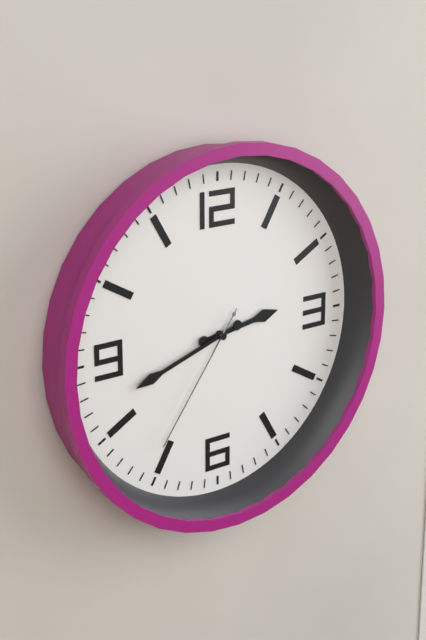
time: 2:42:36
